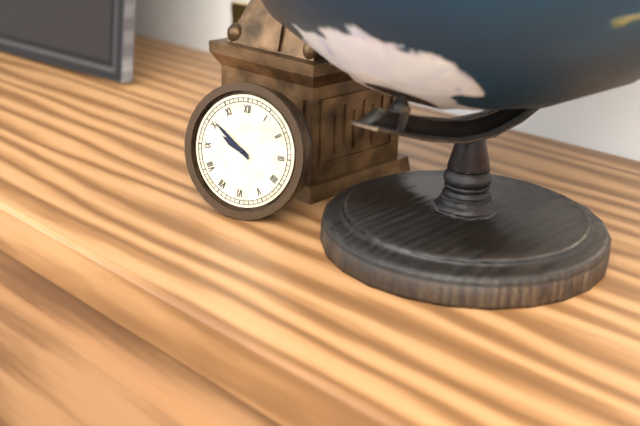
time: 9:51
